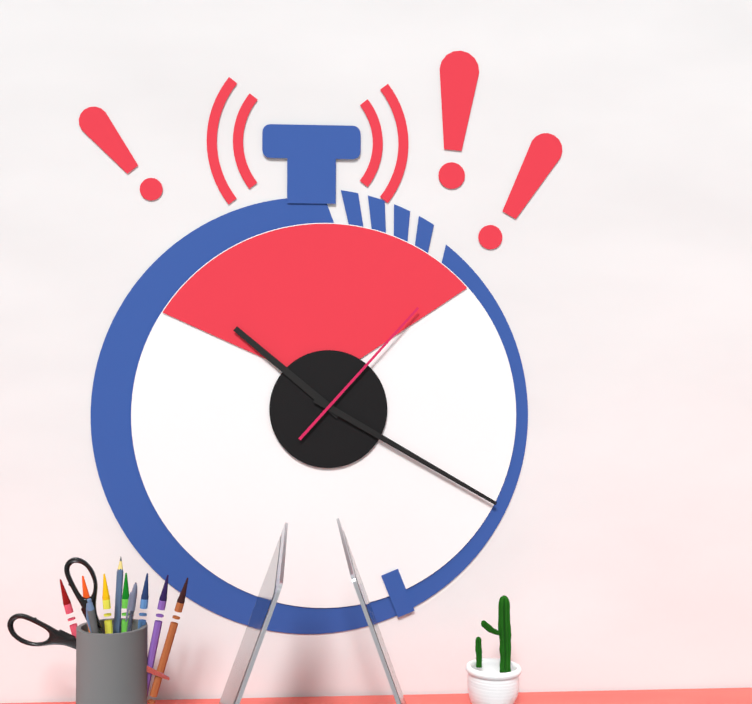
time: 10:20:07
